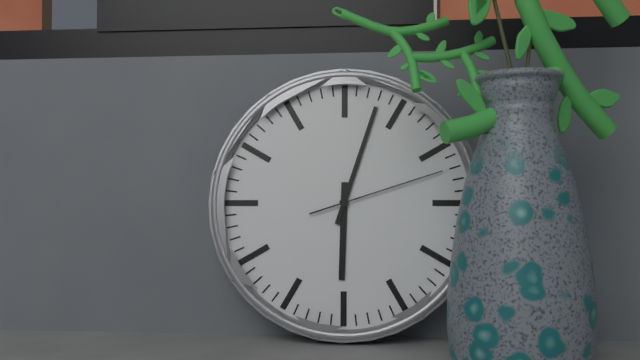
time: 6:03:12
